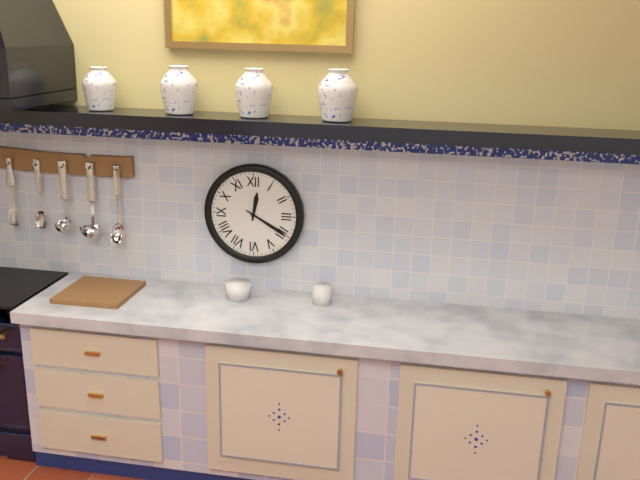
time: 12:20
